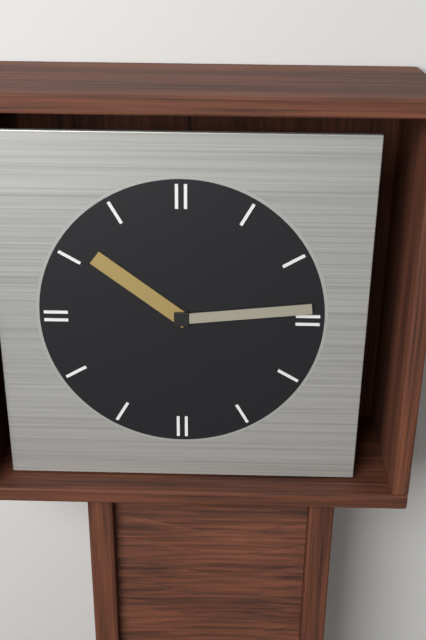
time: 10:14
